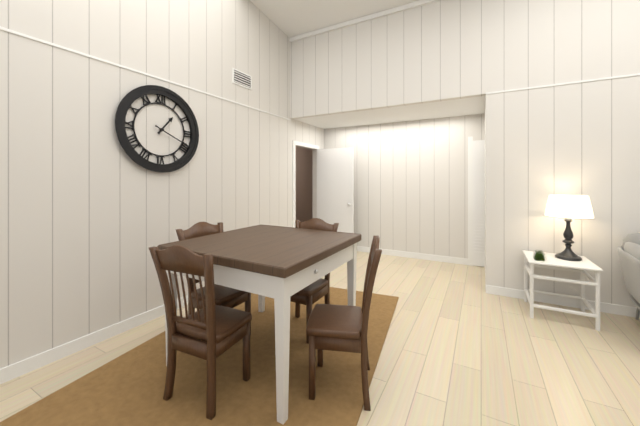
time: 1:19
